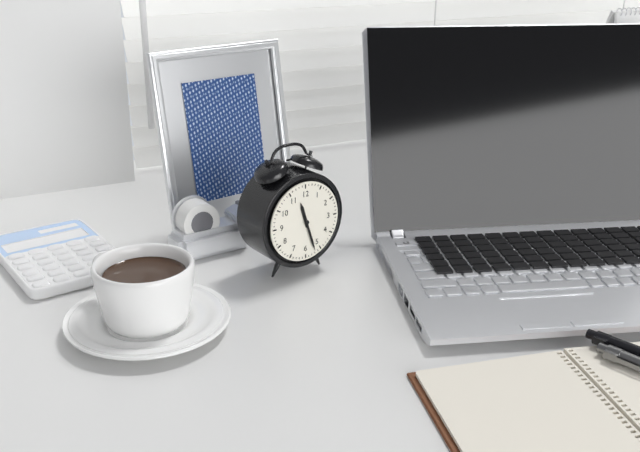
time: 11:27
